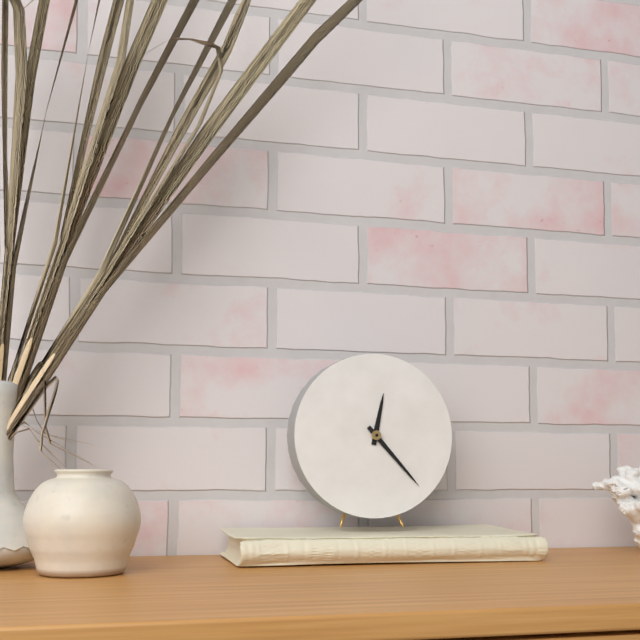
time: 12:23
